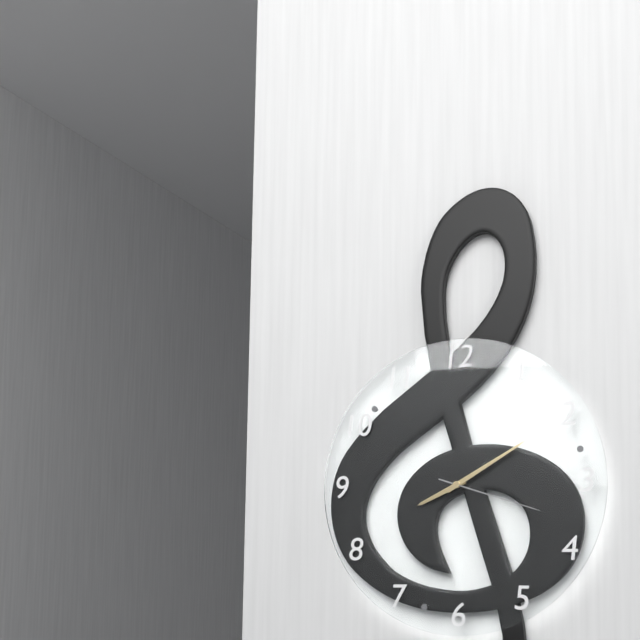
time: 8:10:18
